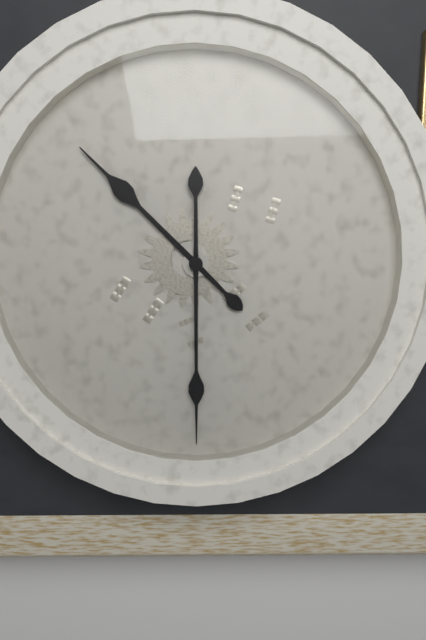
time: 10:30
